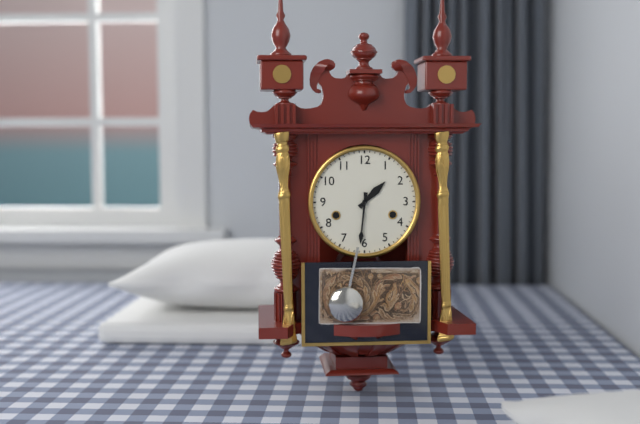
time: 1:31
